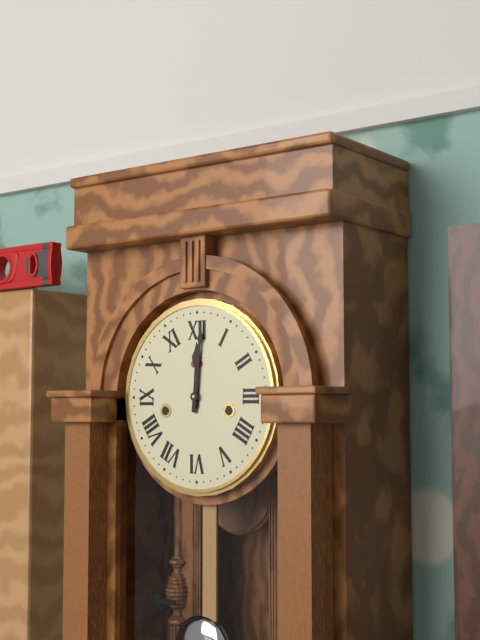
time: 12:01
